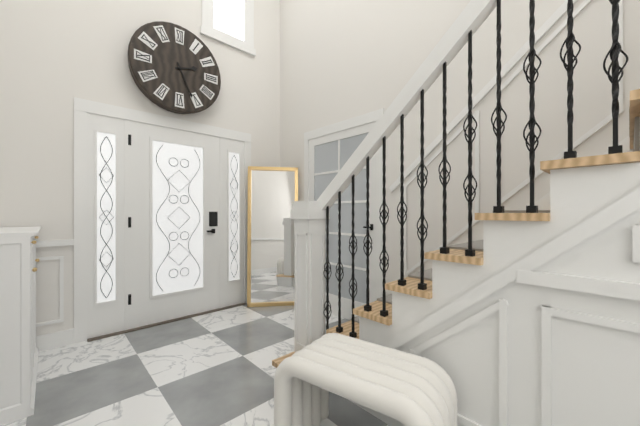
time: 2:26
